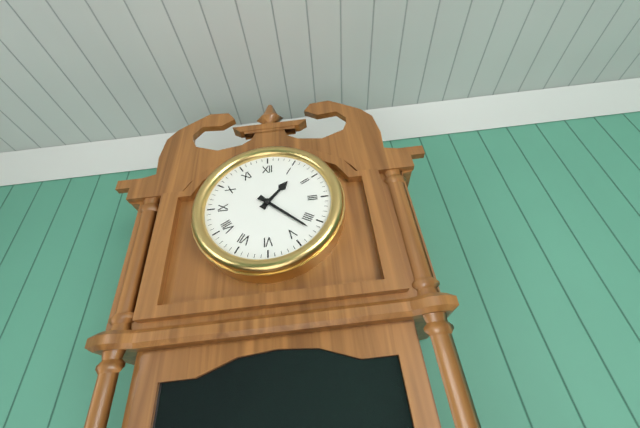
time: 1:22
